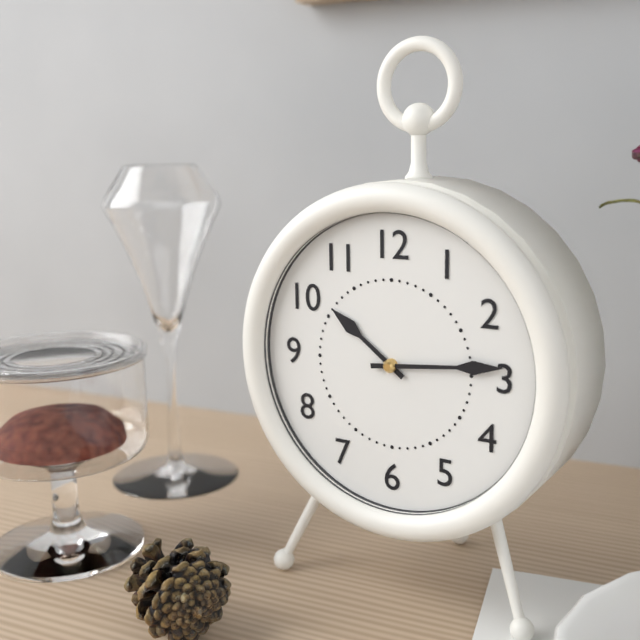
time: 10:14
